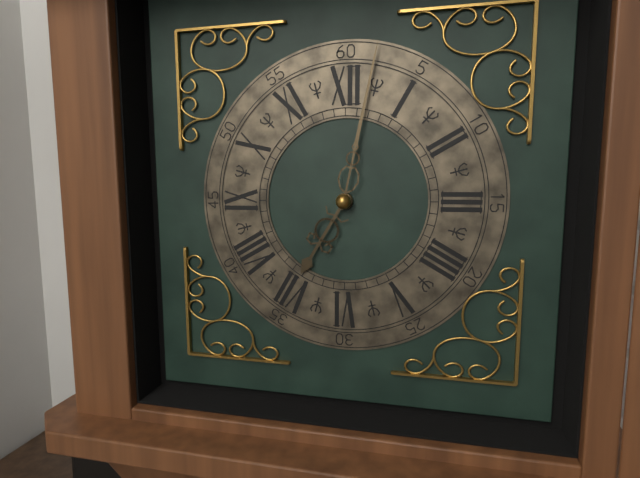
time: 7:02
